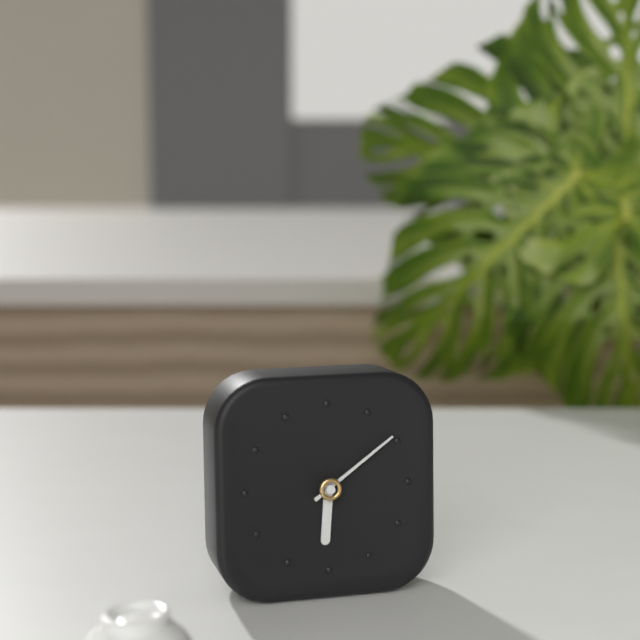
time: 6:09
